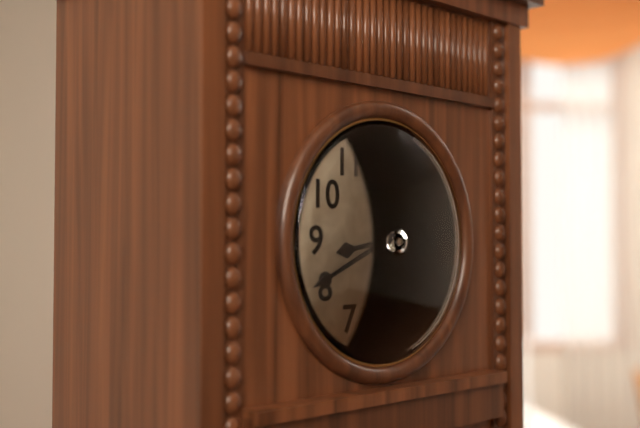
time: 8:41
